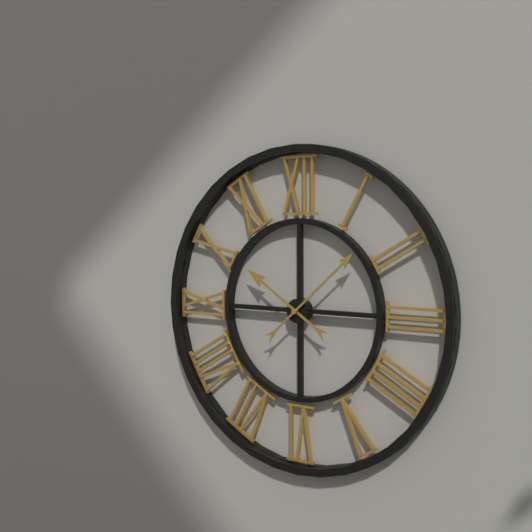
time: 10:08
